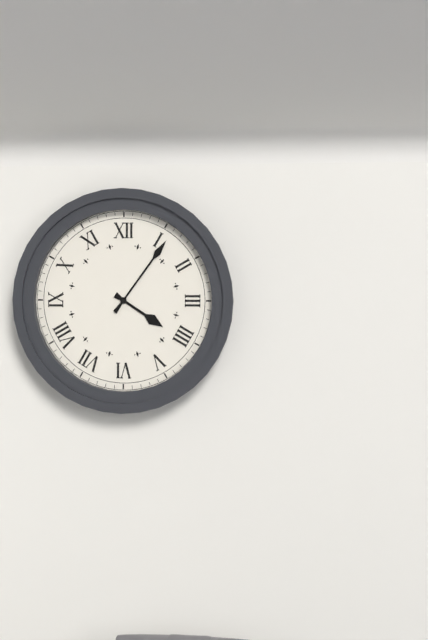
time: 4:06
